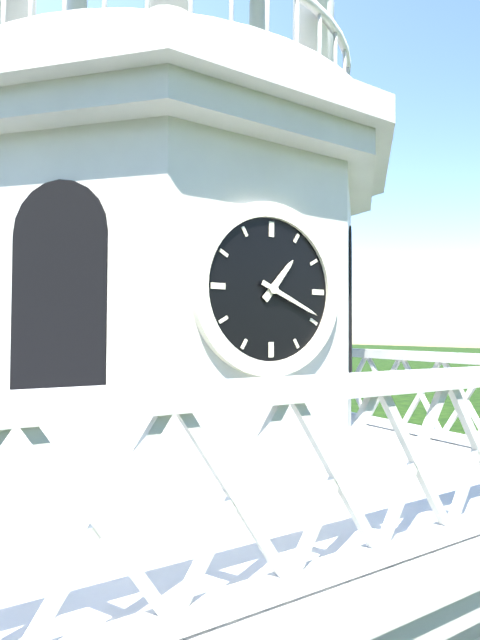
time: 1:19
